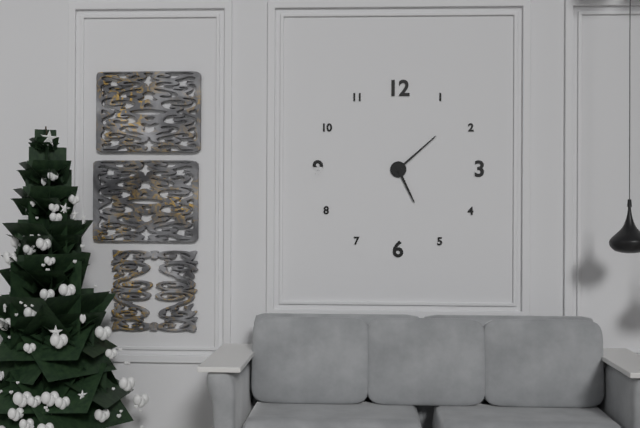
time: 5:08
